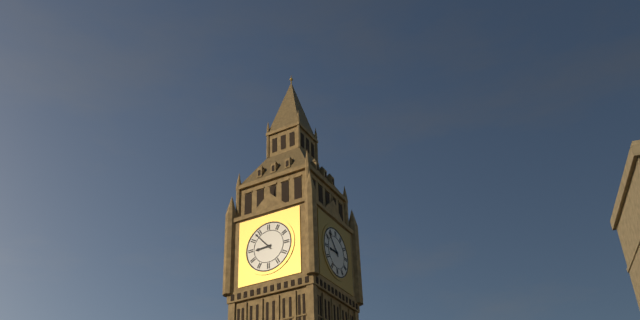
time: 8:53
